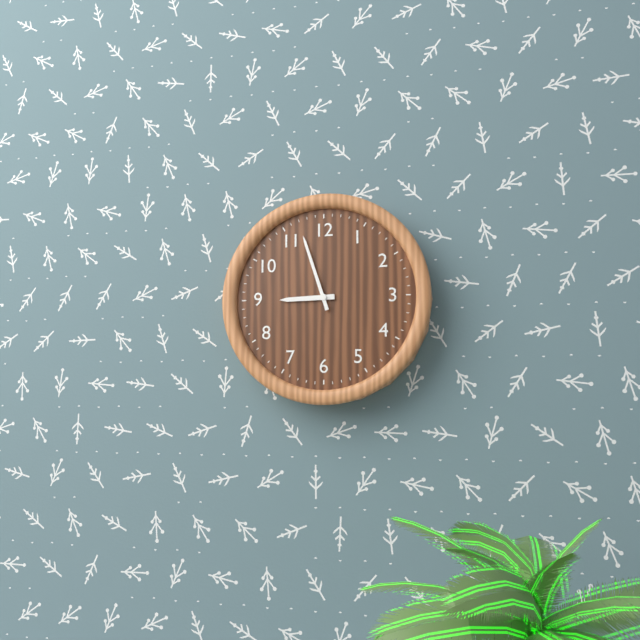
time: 8:57
